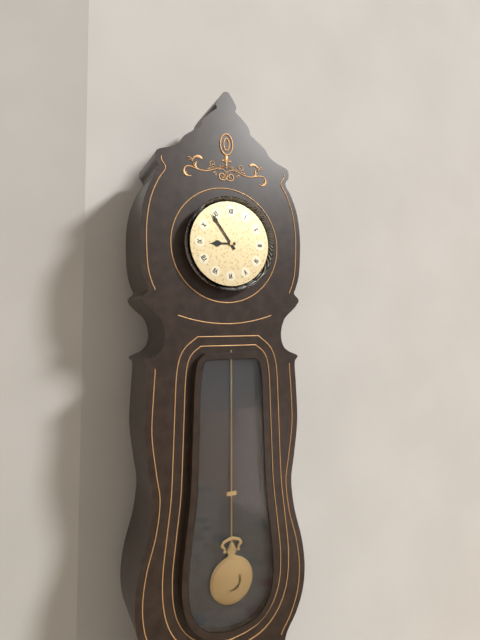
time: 8:54
